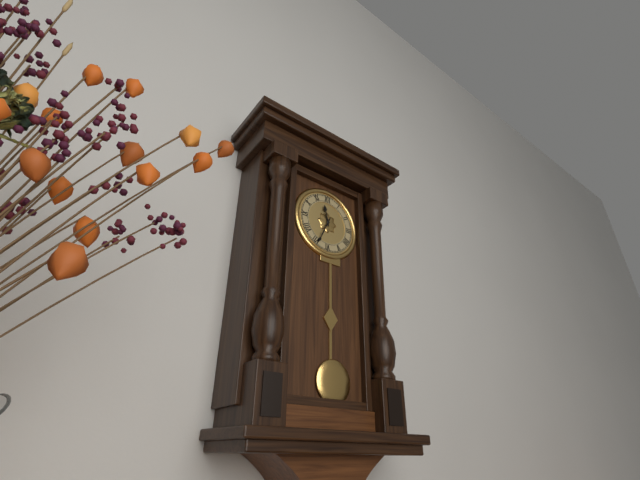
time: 11:34
